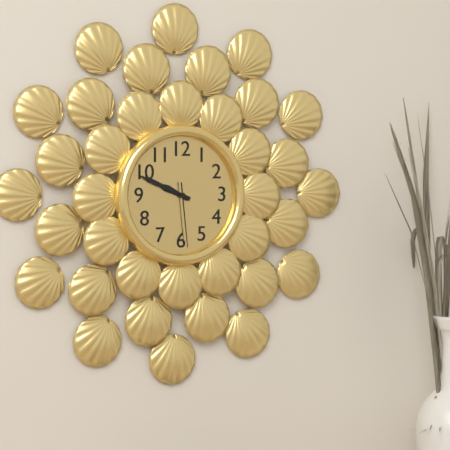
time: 9:49:29
